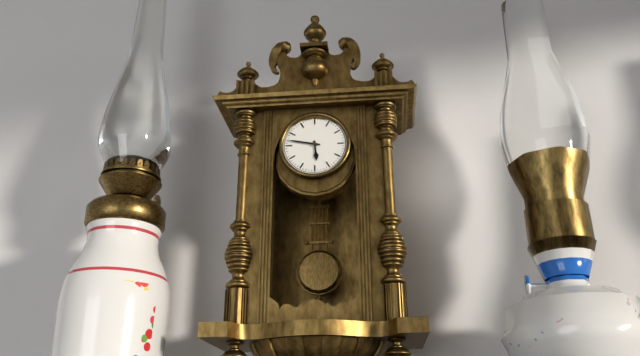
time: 5:47
